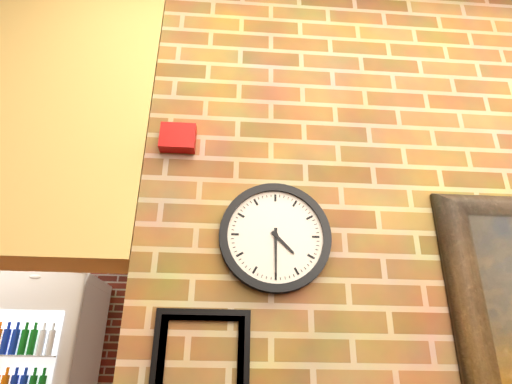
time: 4:30
